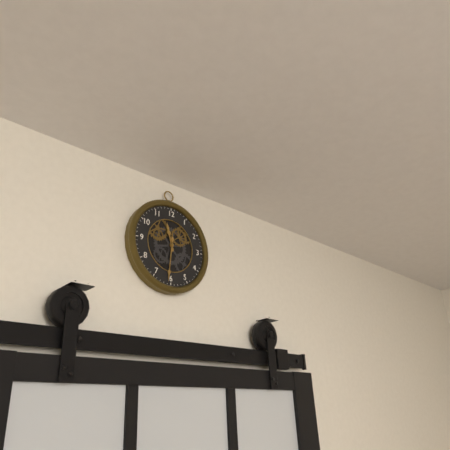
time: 11:31
